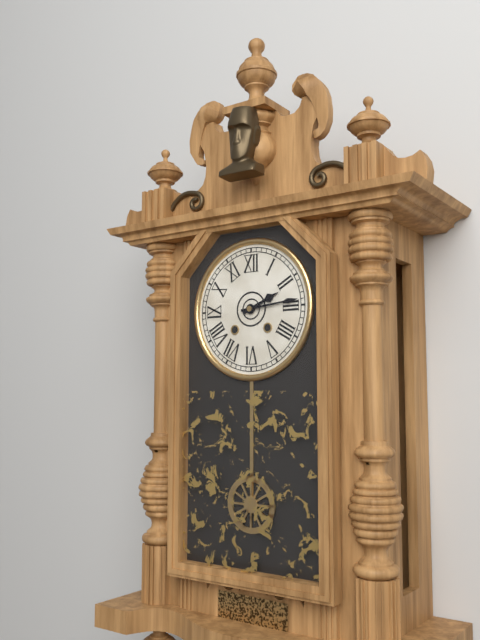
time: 2:14
